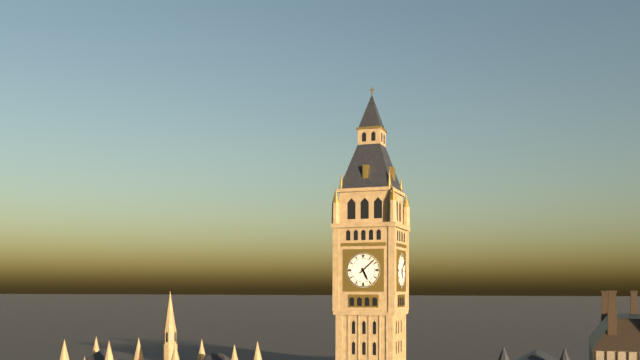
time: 5:08
